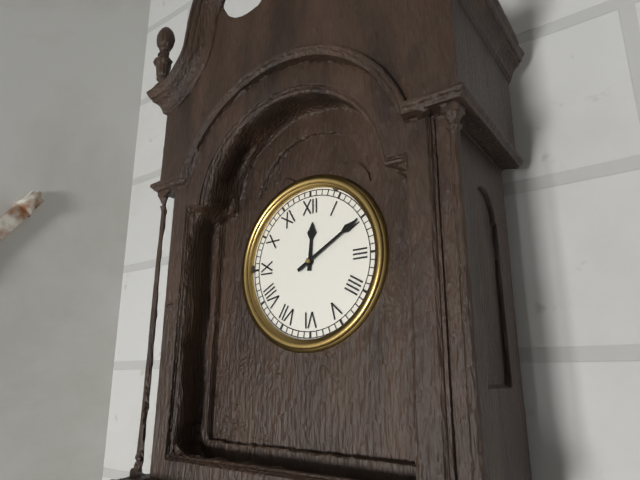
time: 12:10
